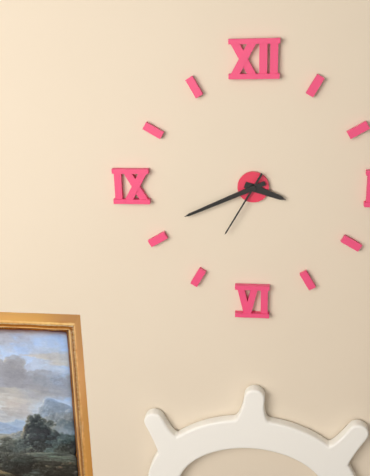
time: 3:41:35
